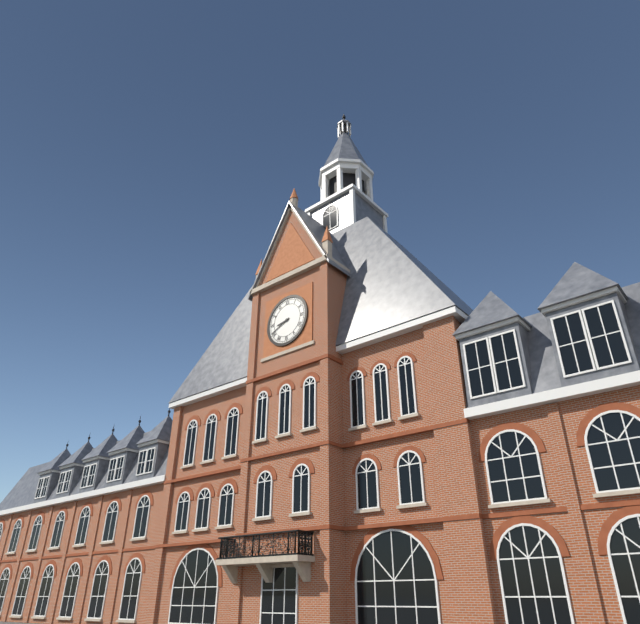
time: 8:41
